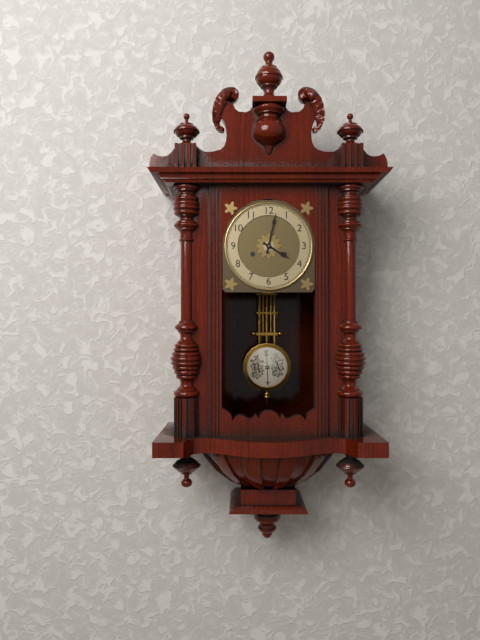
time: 4:02
